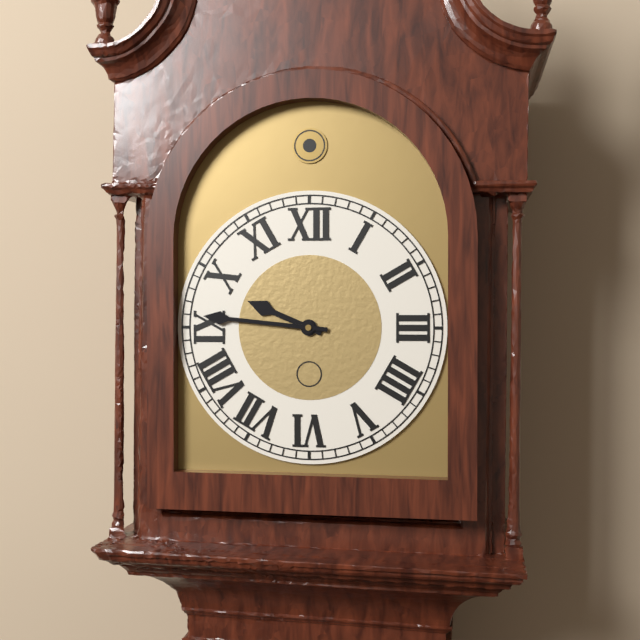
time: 9:46
